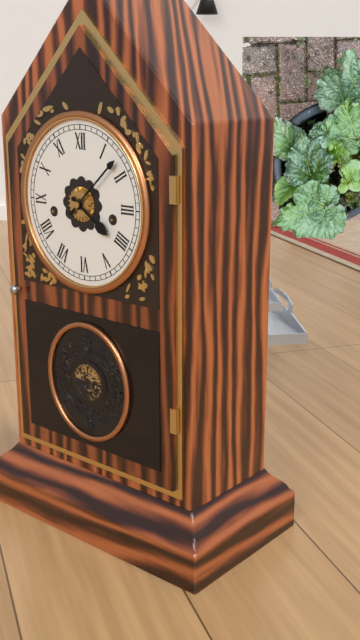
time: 4:08
